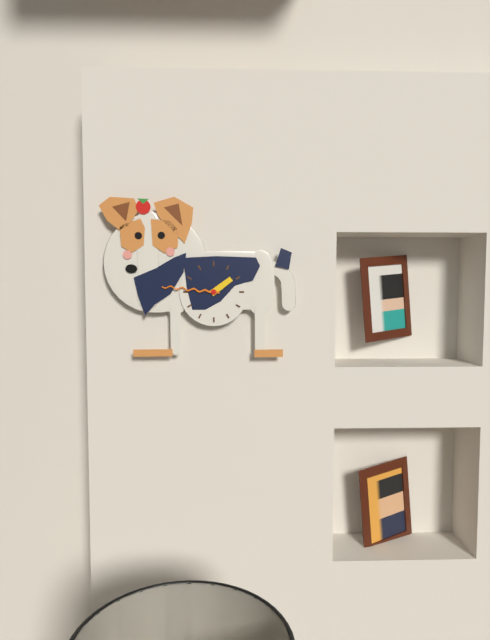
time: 1:46
